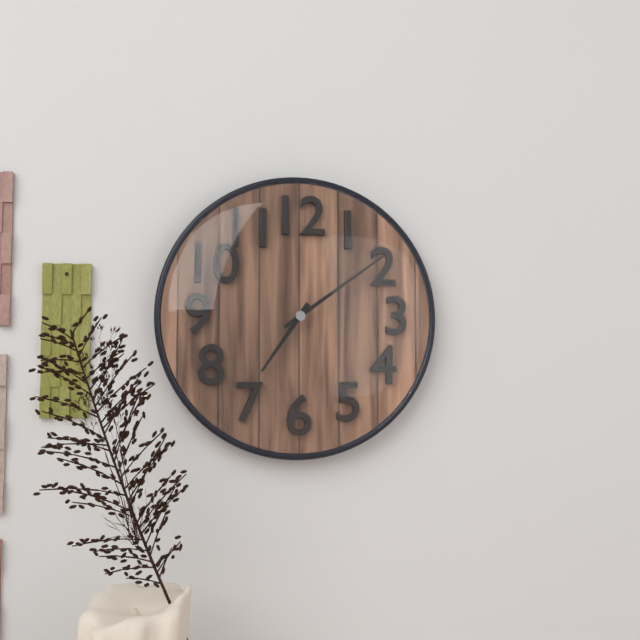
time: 7:09
